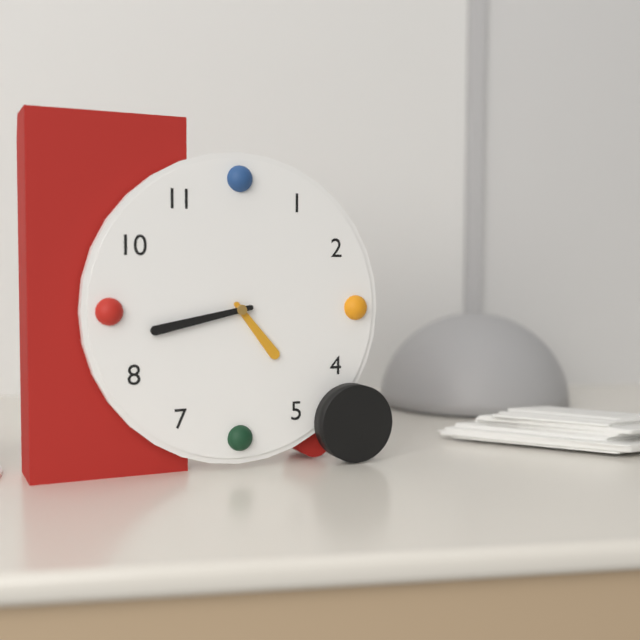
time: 4:43
